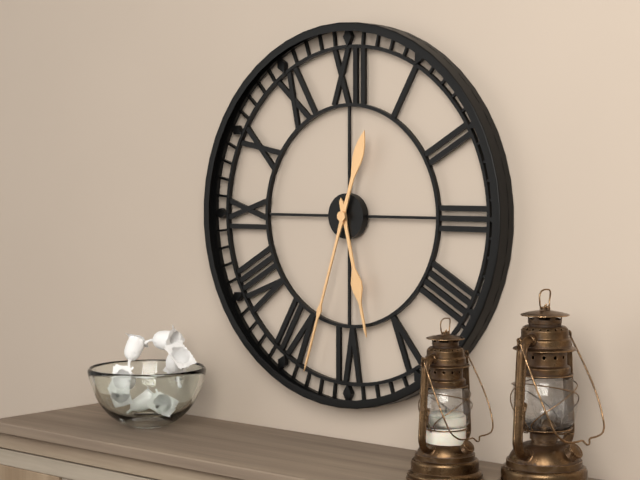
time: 5:33
